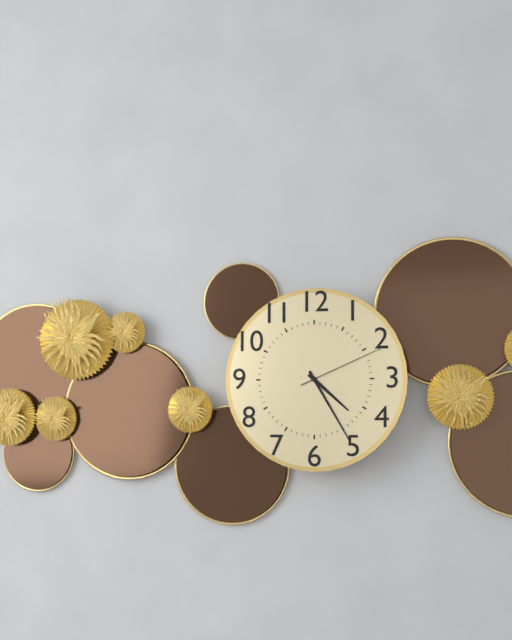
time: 4:25:11
